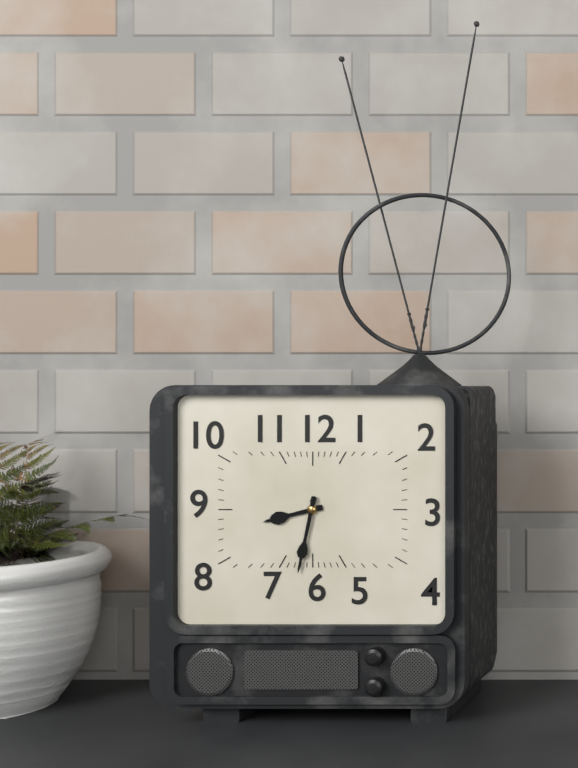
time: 8:32
